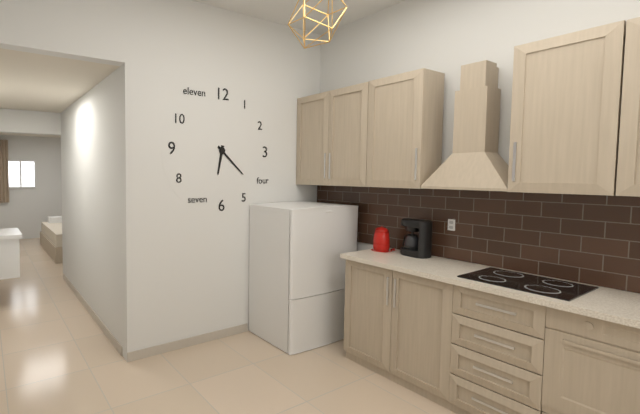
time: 6:22
